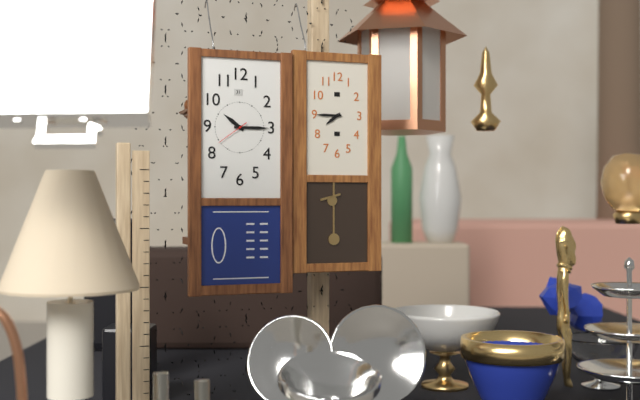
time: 10:15
